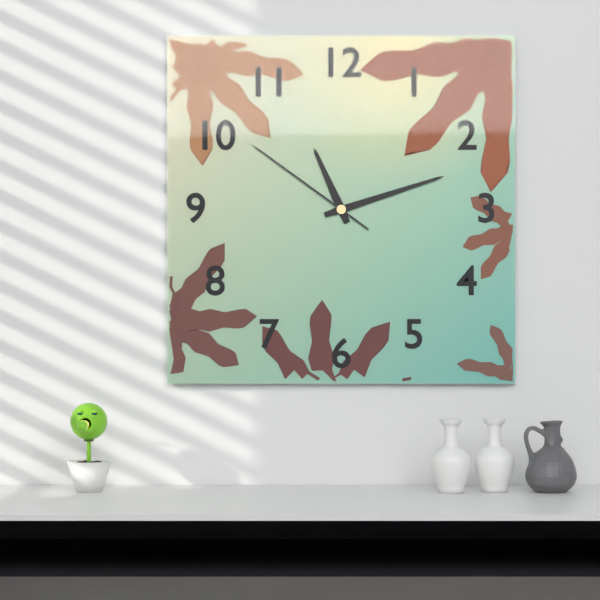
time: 11:12:51
